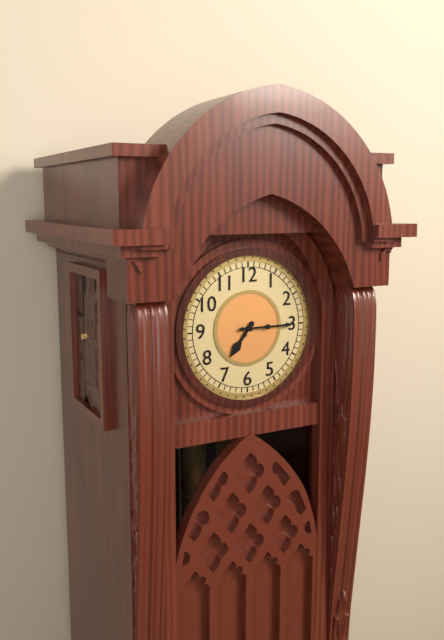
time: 7:15
